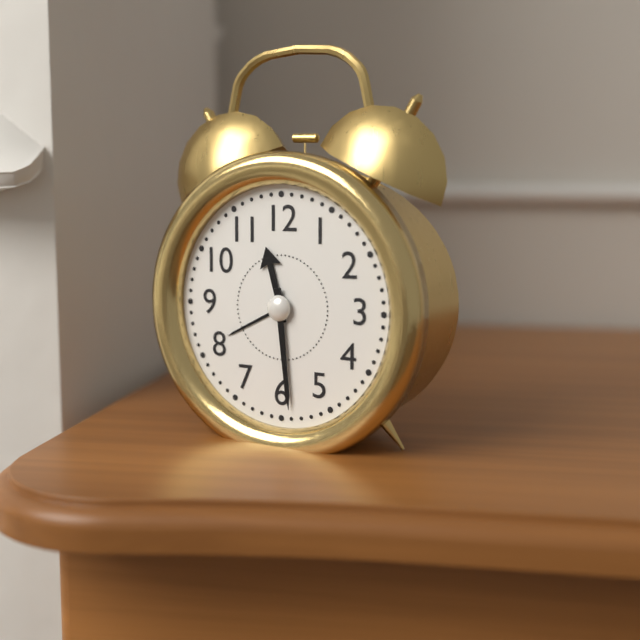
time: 11:29
